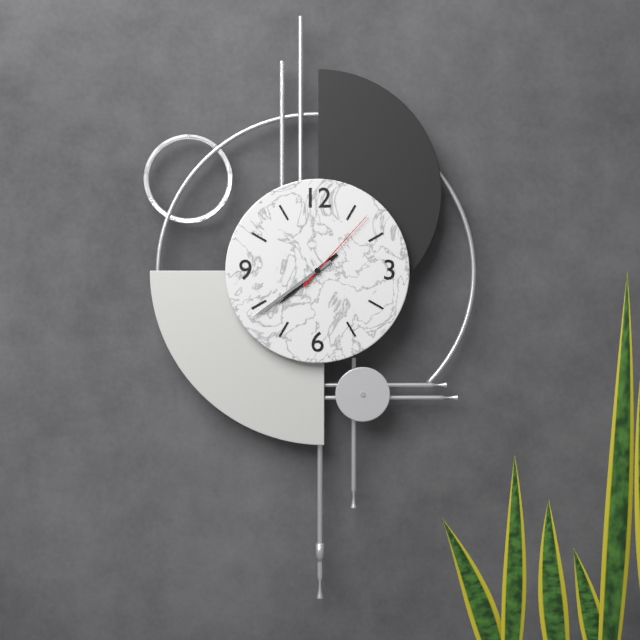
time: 7:39:07
